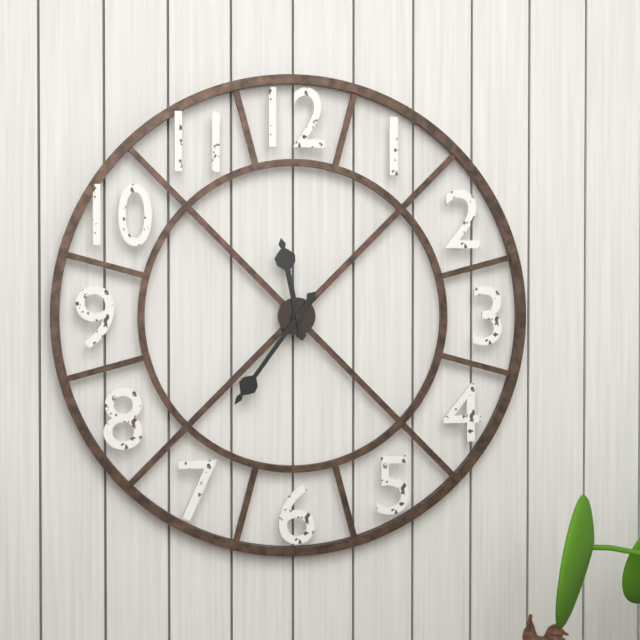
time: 11:36
